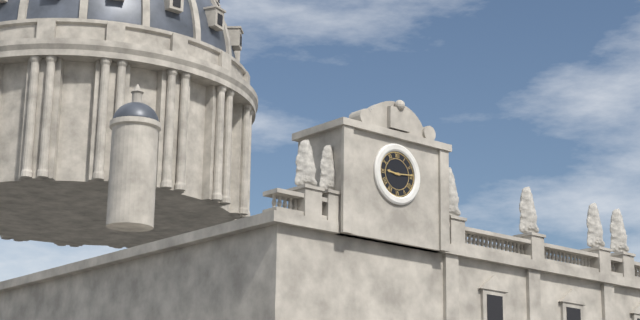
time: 9:14
